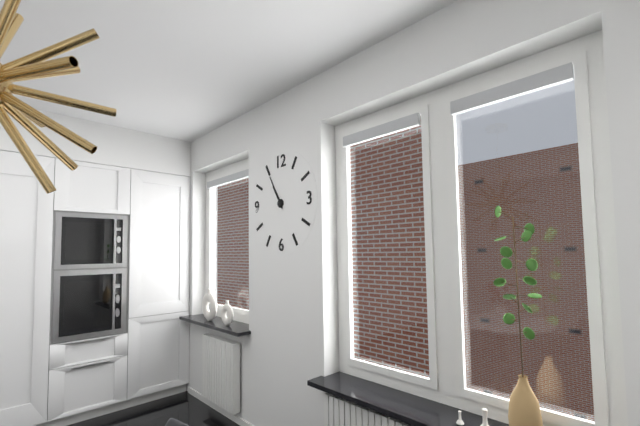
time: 10:55
